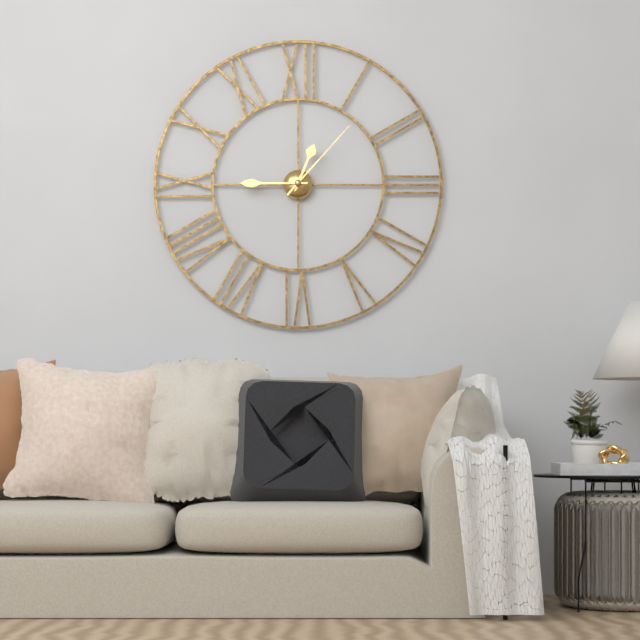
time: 12:45:07
